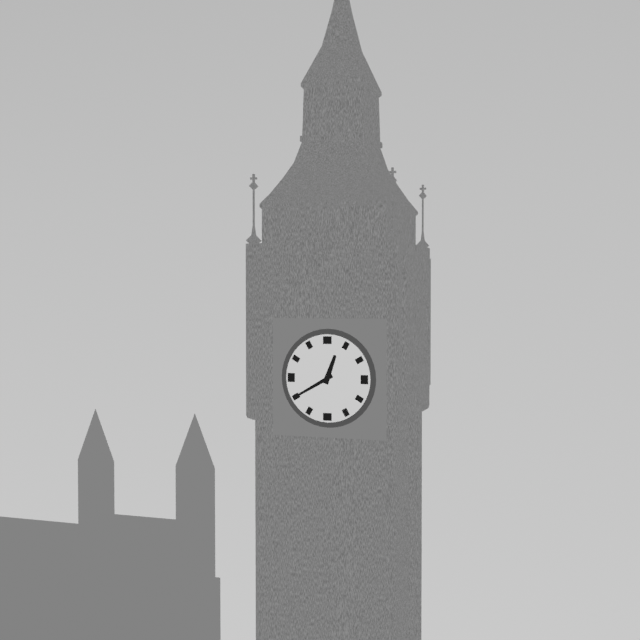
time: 12:40
